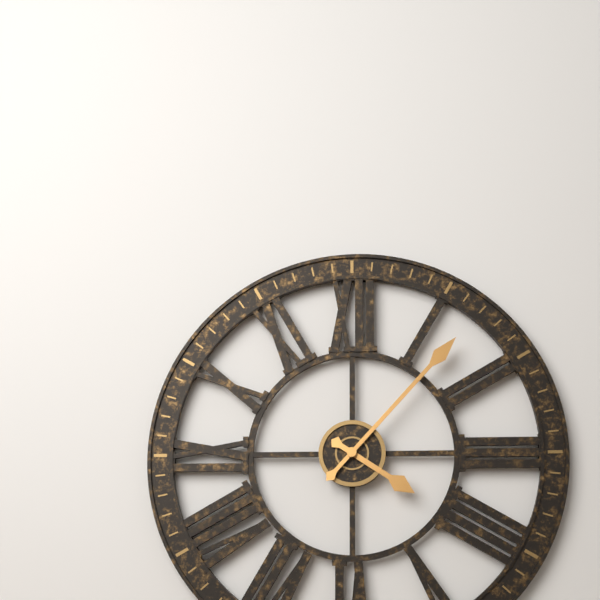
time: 4:07
